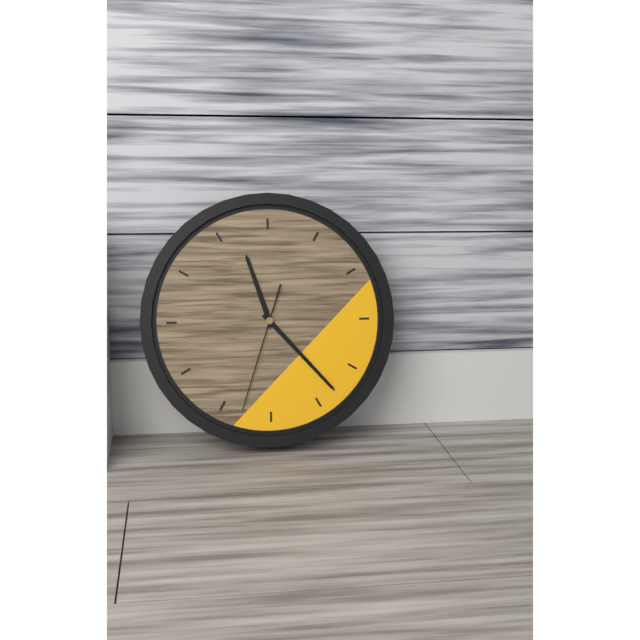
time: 11:23:33
